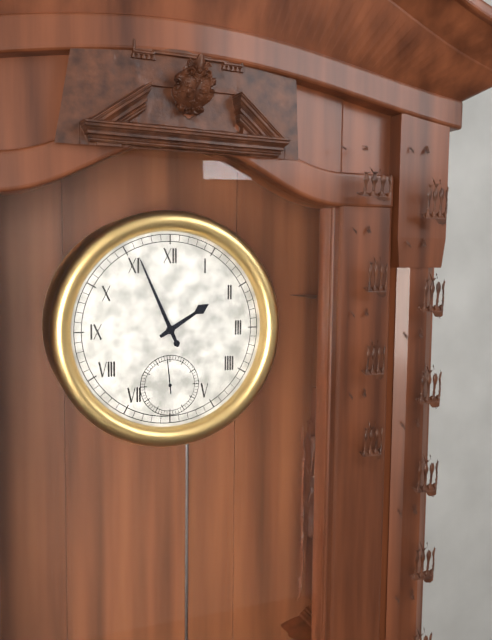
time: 1:56
